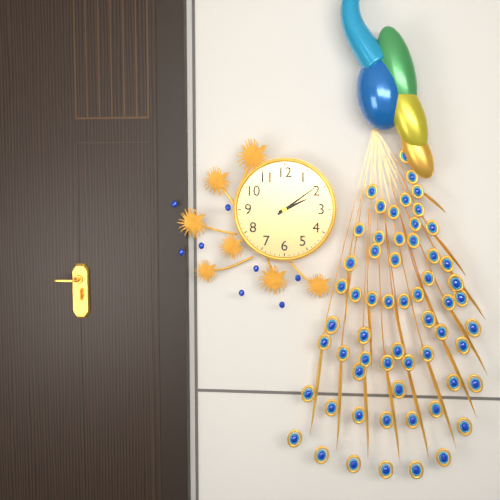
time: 2:09
